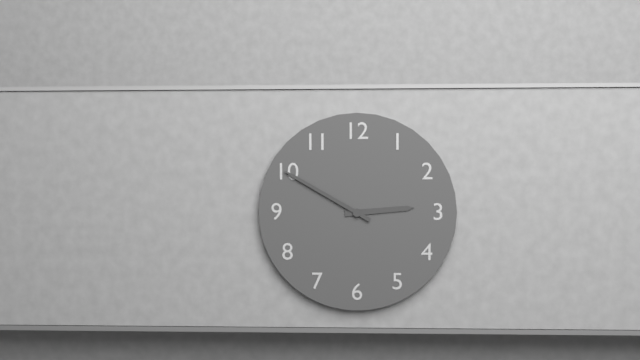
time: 2:50
